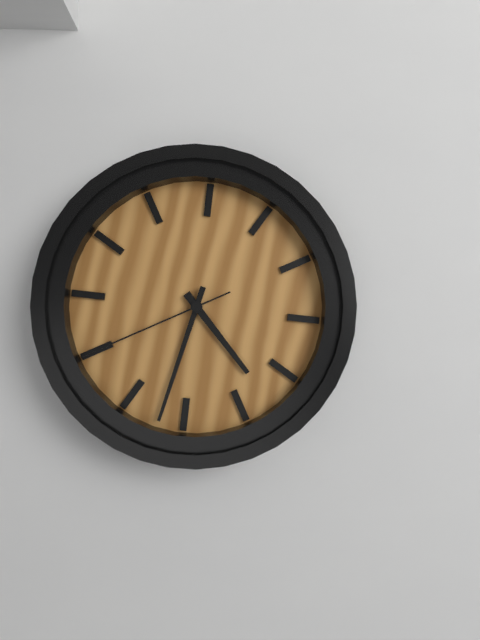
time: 4:32:40
